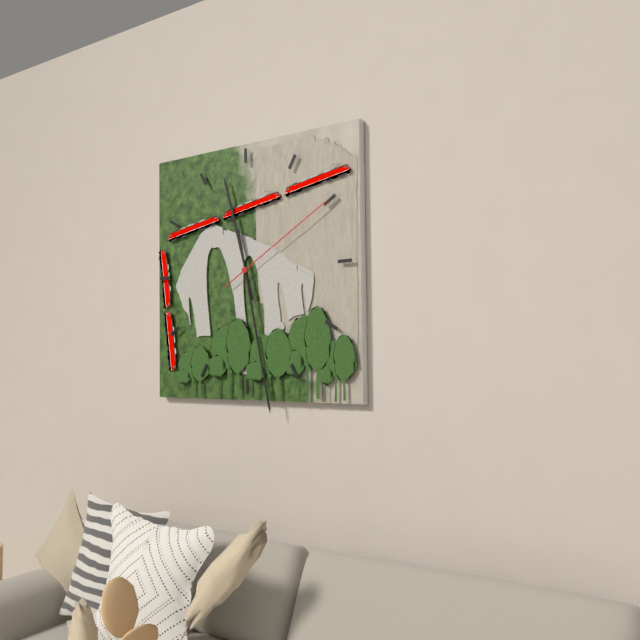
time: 11:28:10
